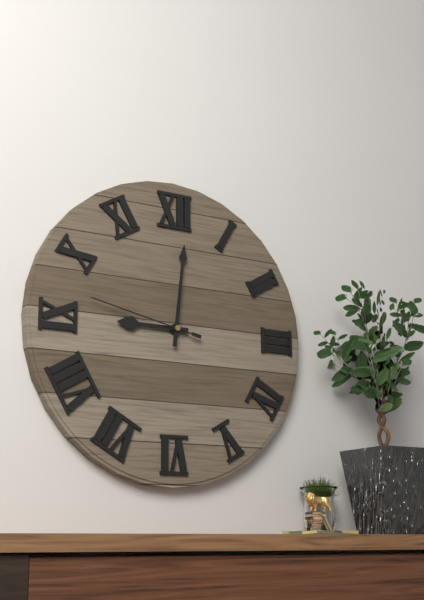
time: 9:01:47
